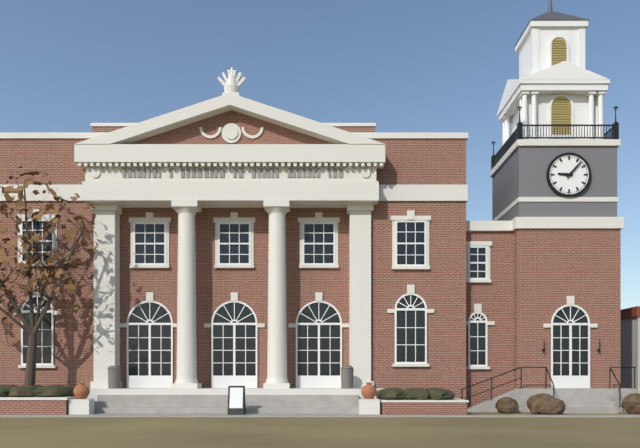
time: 9:07
